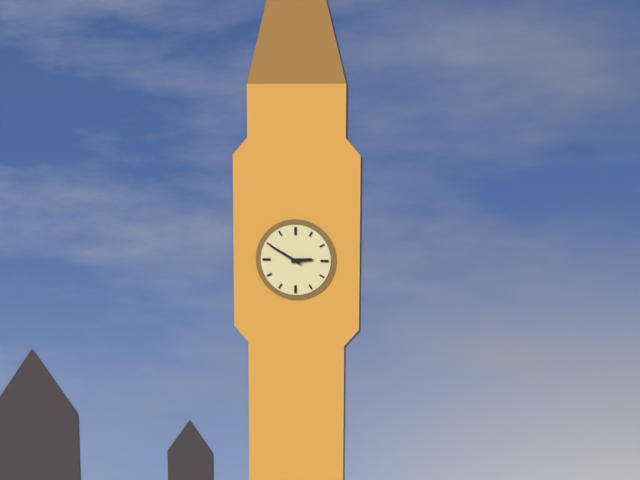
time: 2:50
